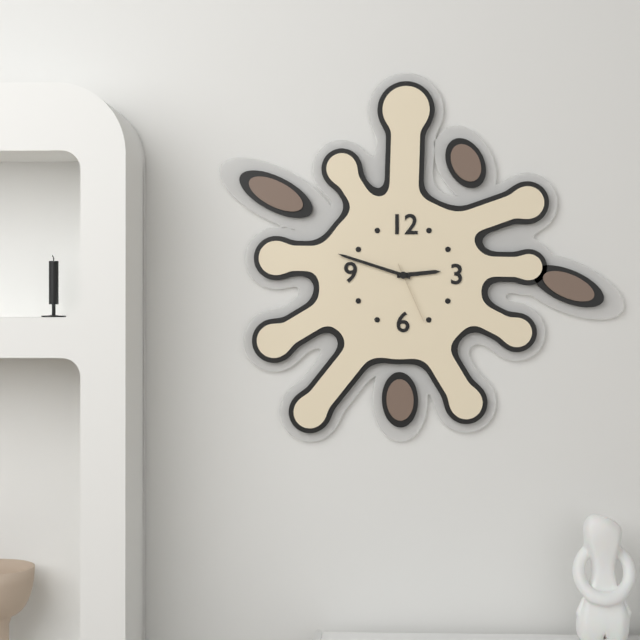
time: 2:48:26
